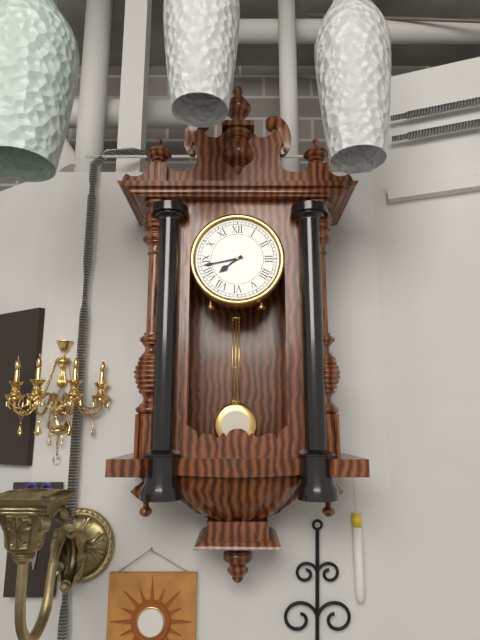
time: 7:43
